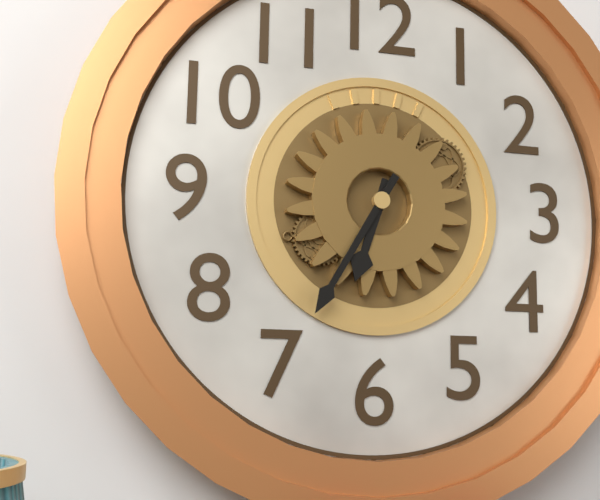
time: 6:35
